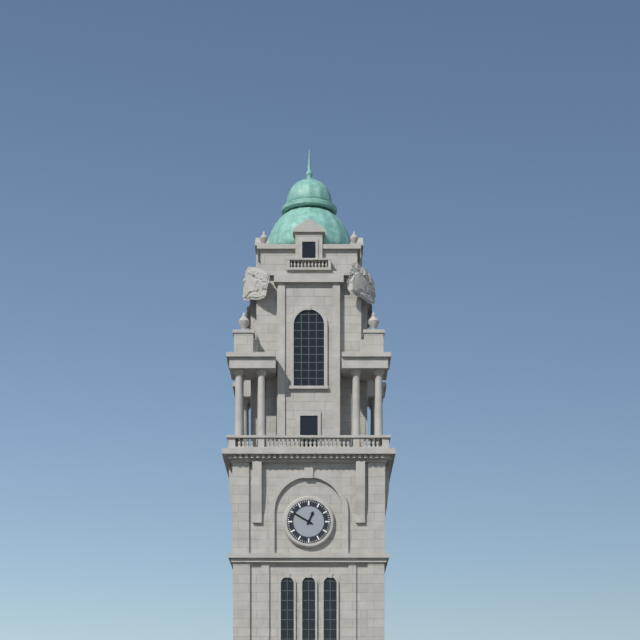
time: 12:50
